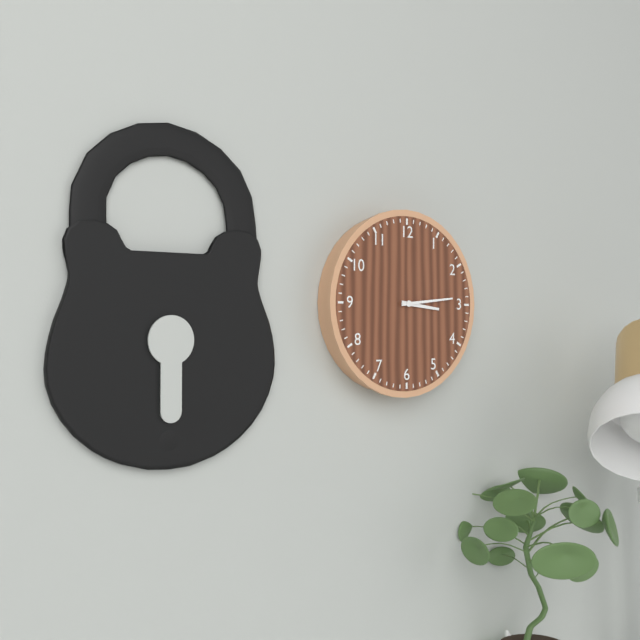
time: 3:14
